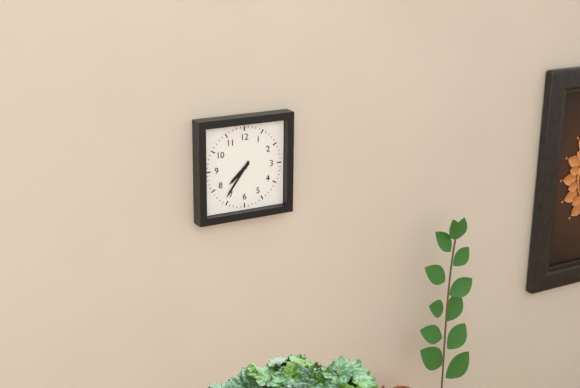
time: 7:36
